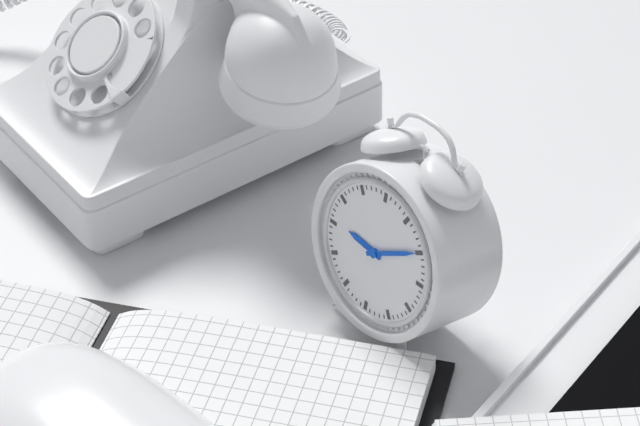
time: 9:10
